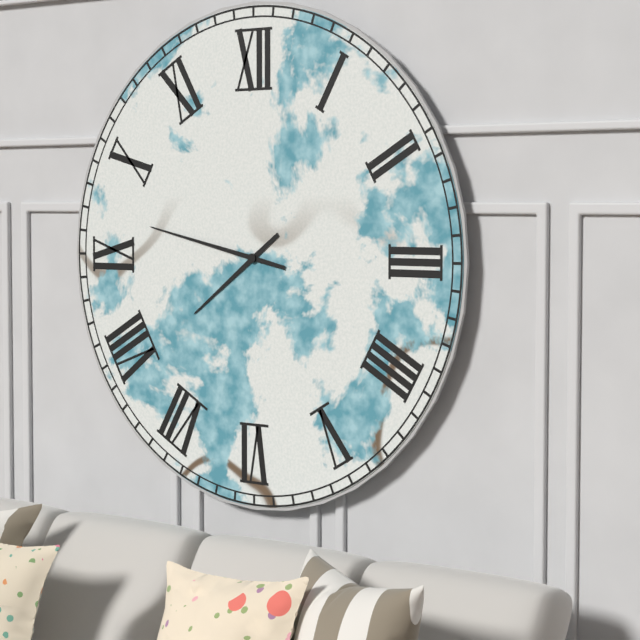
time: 7:47
